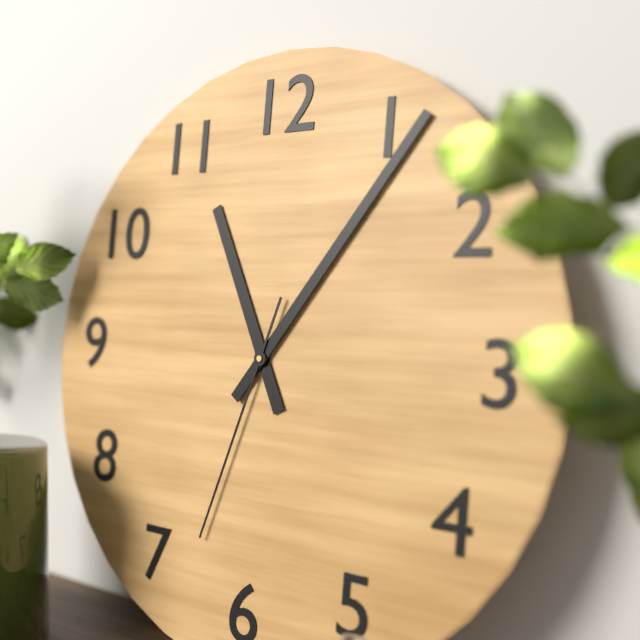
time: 11:06:33
